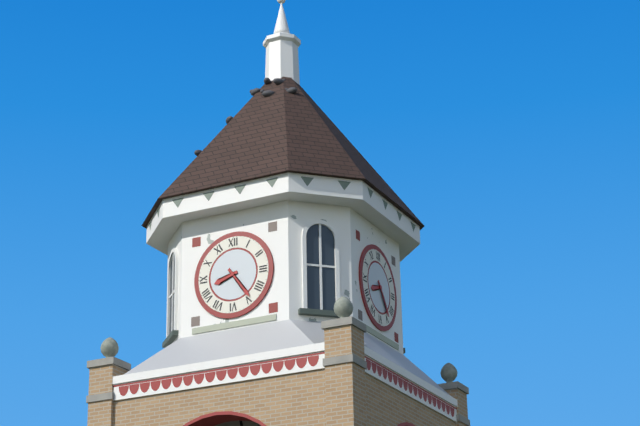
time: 8:24
